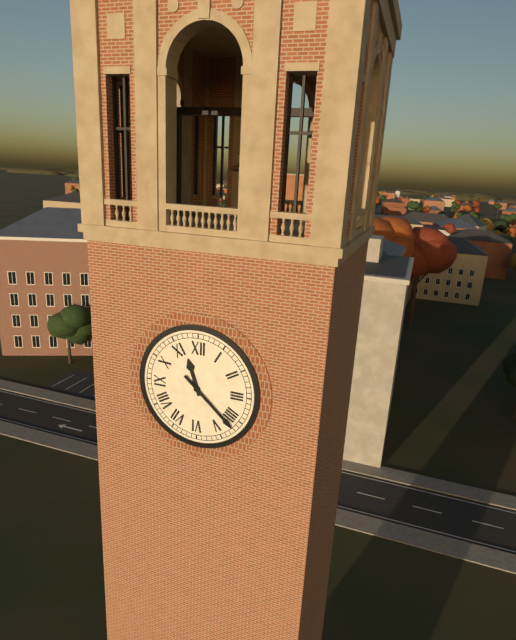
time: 11:22
